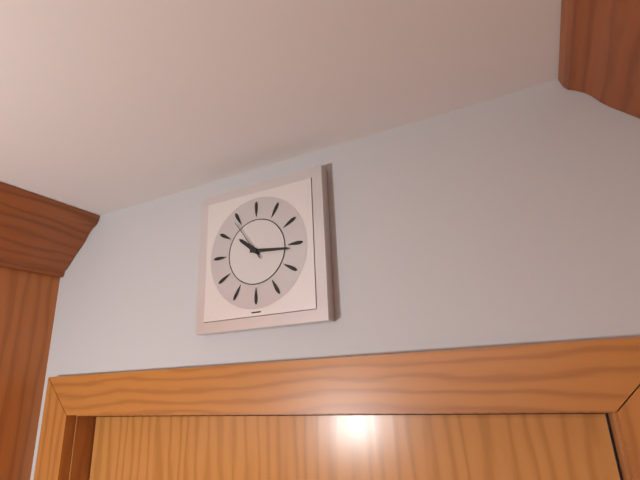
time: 10:16
